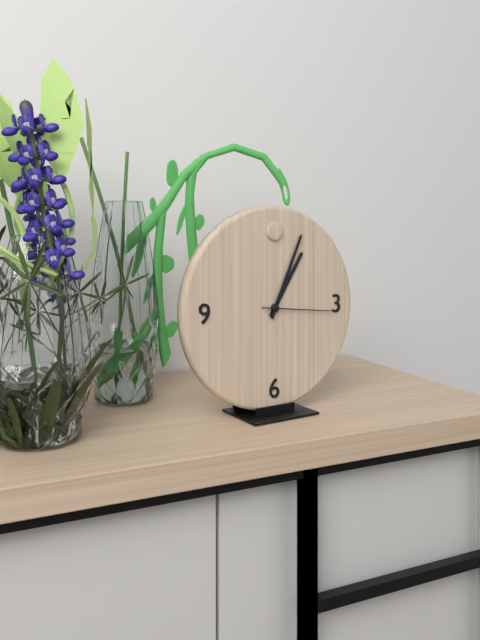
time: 1:04:16
